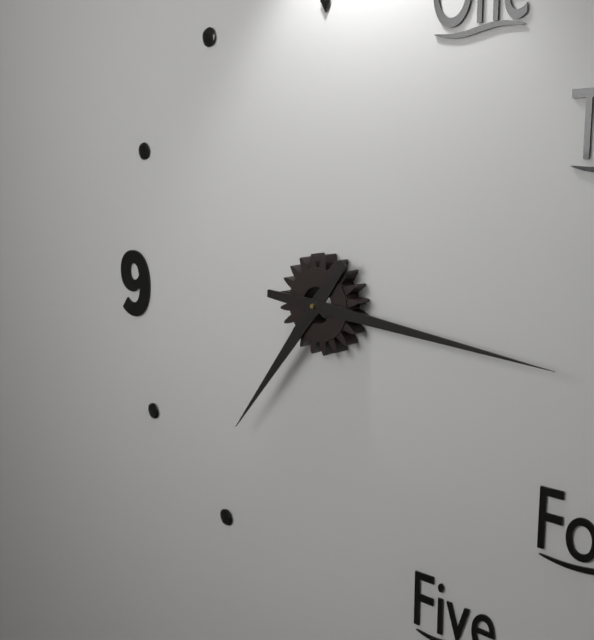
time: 7:16
